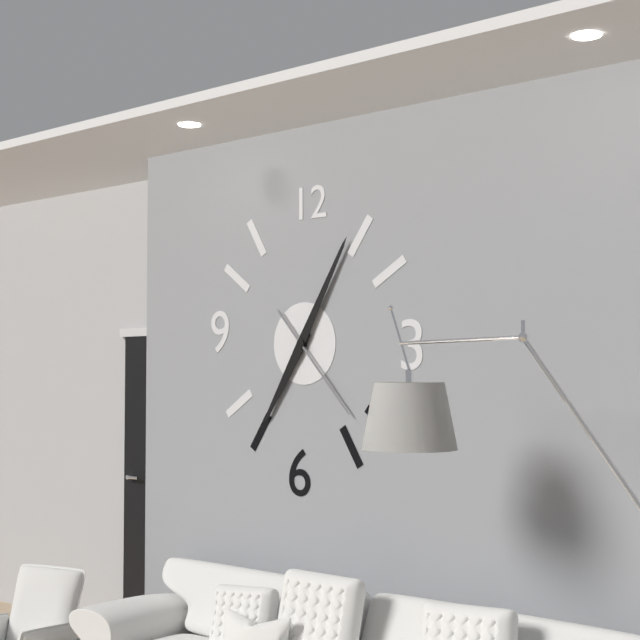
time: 7:05:23
